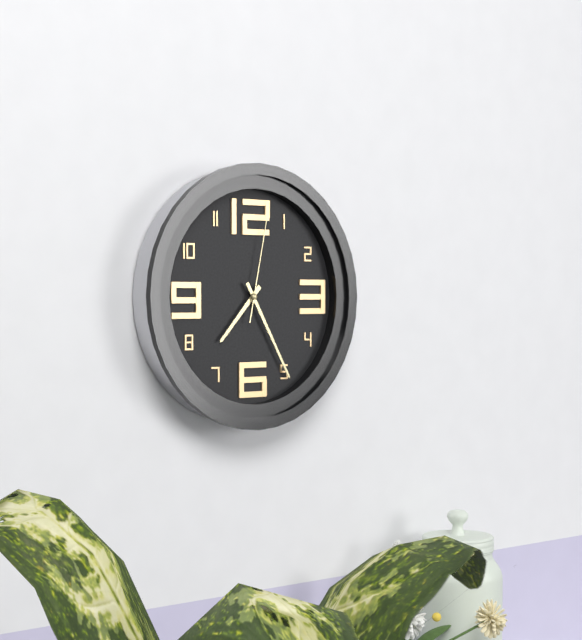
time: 7:25:02
